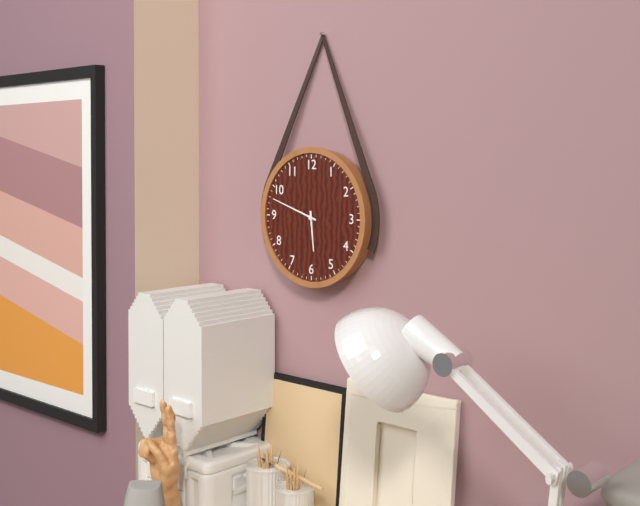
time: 5:48
